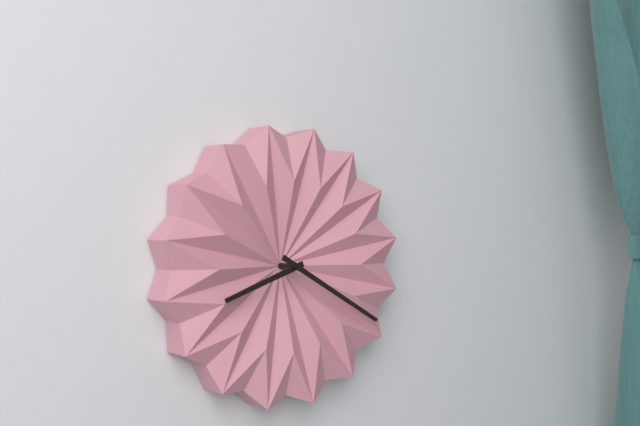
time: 8:20
